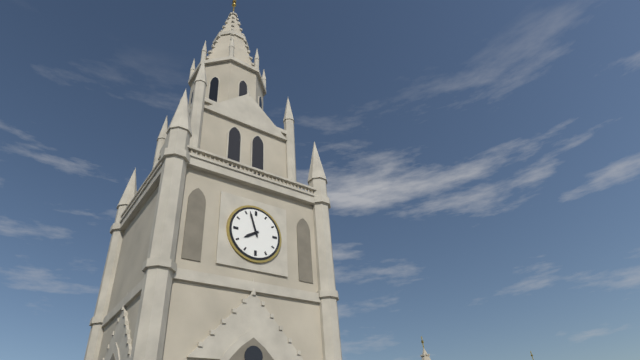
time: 7:57
